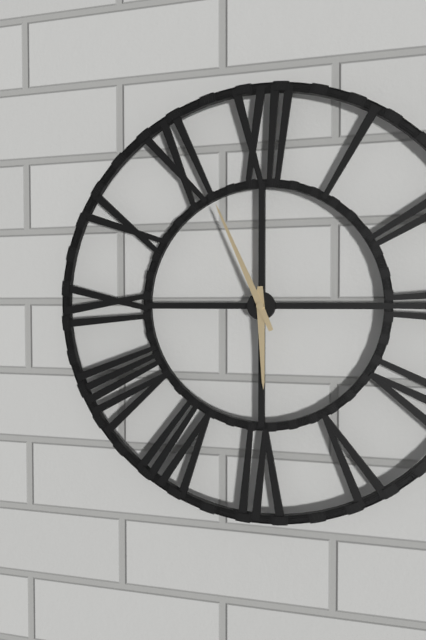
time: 5:56
